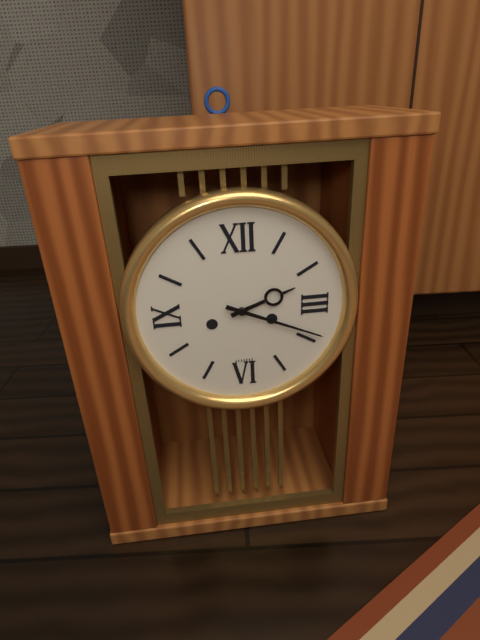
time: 2:19
